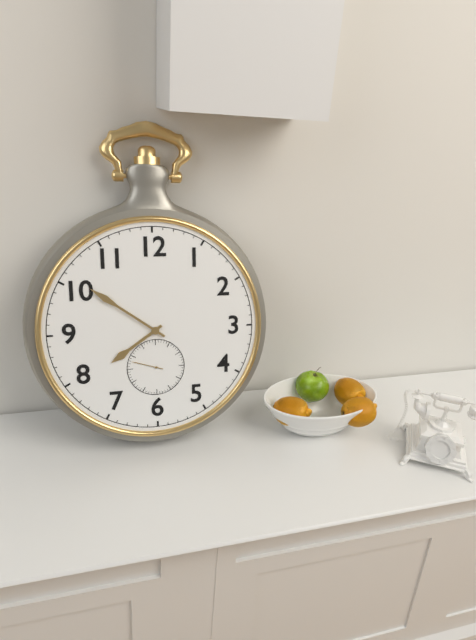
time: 7:51
